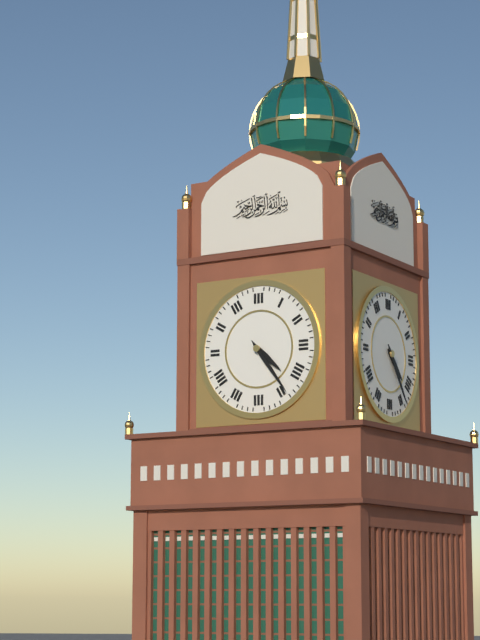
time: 4:24
